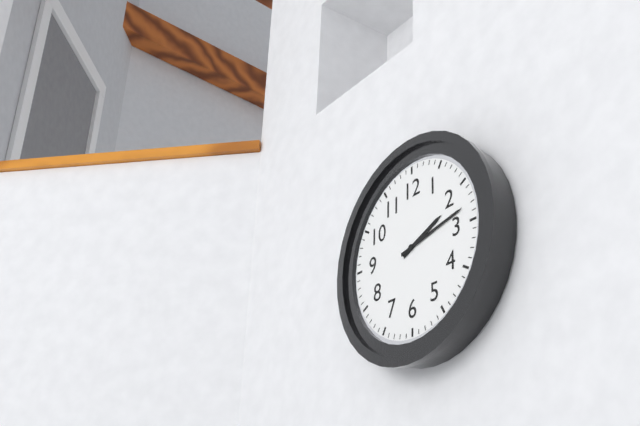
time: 2:13
